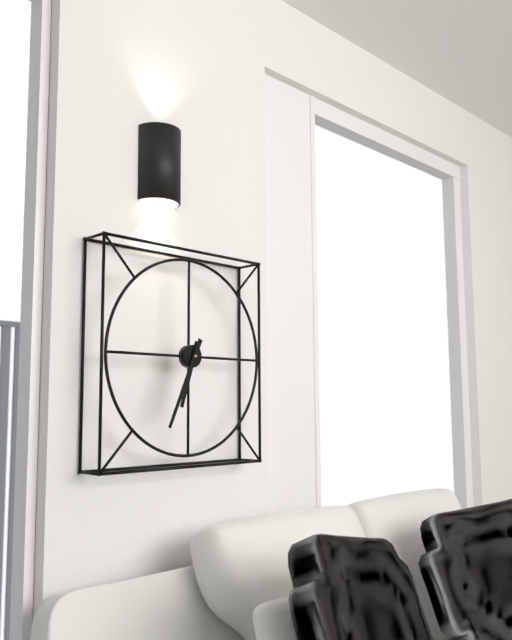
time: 6:34
